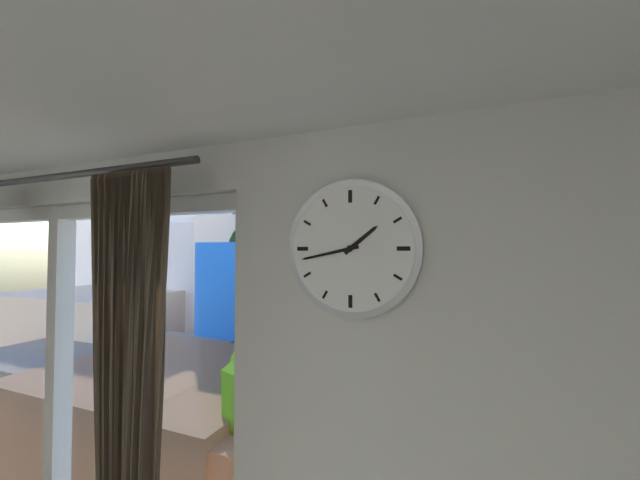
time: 1:43
